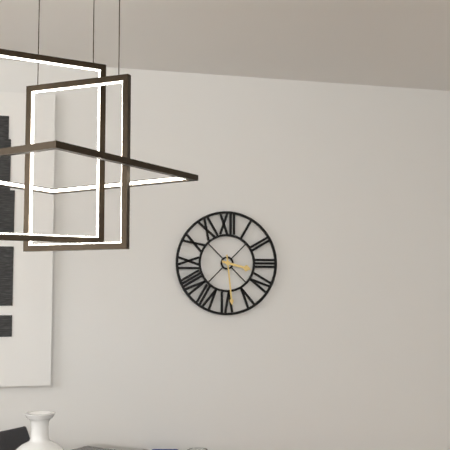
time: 3:29
